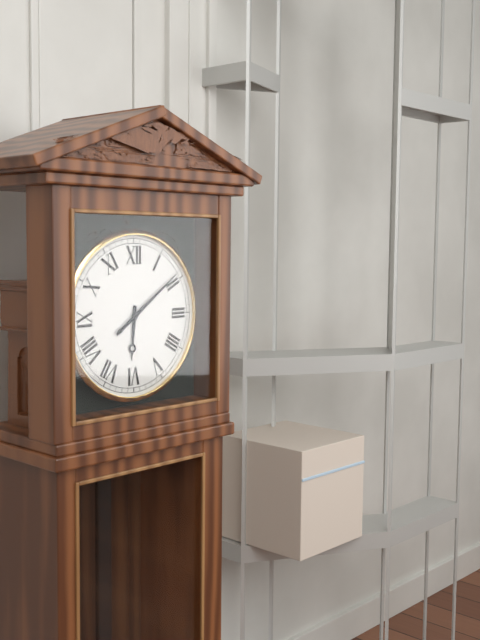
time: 6:09
